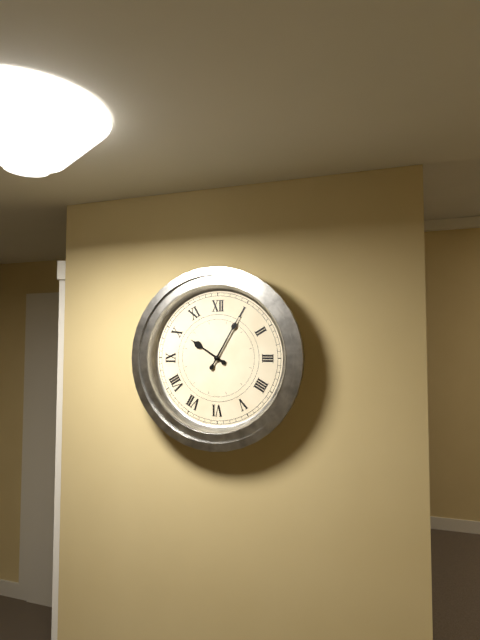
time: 10:05
